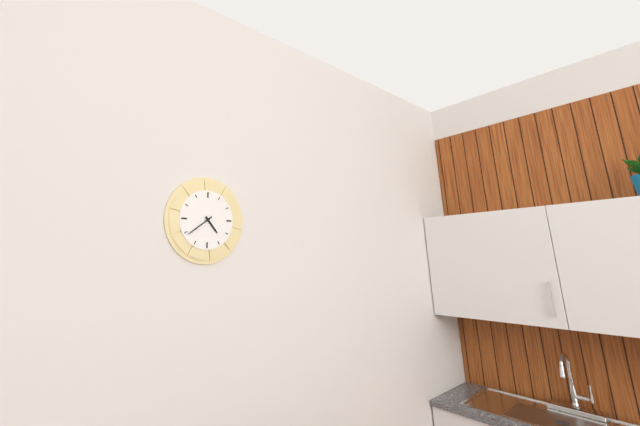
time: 4:39
